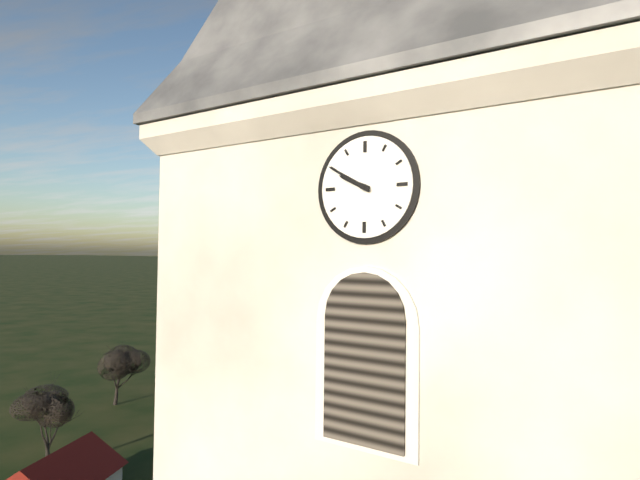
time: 9:50
